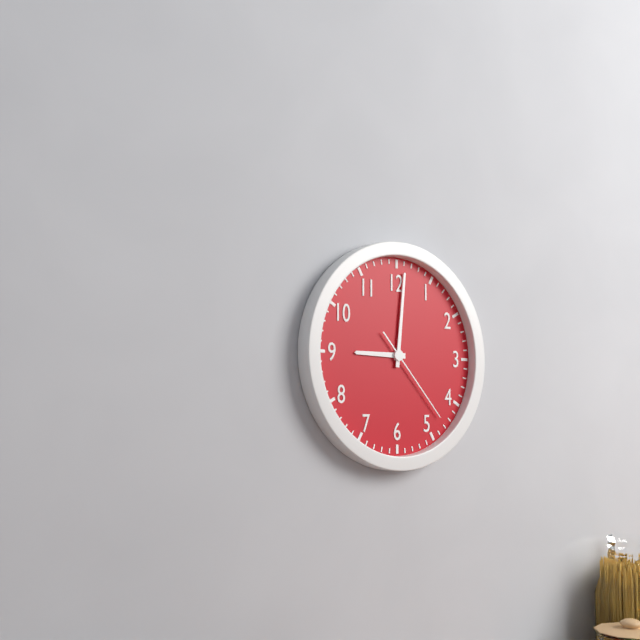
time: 9:01:23
